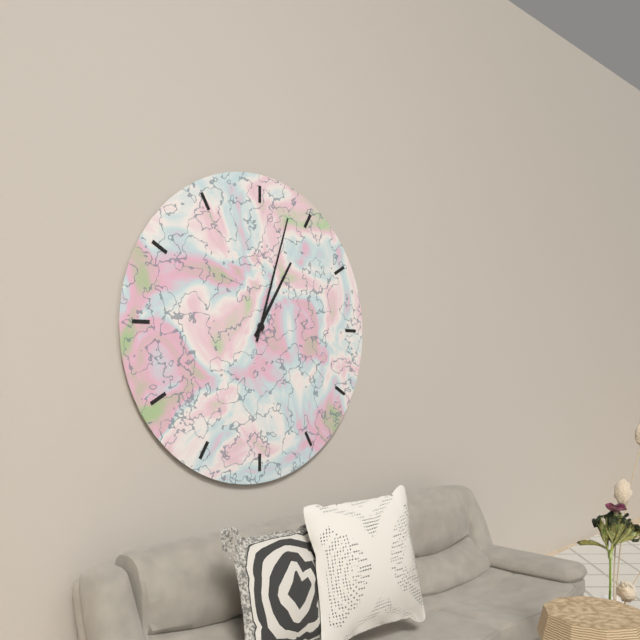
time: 1:03
